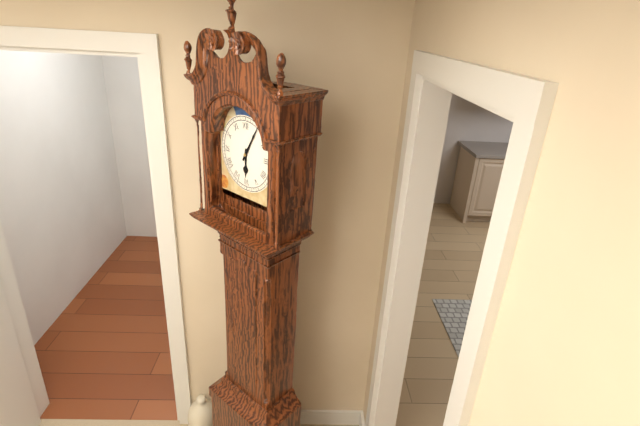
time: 6:05
